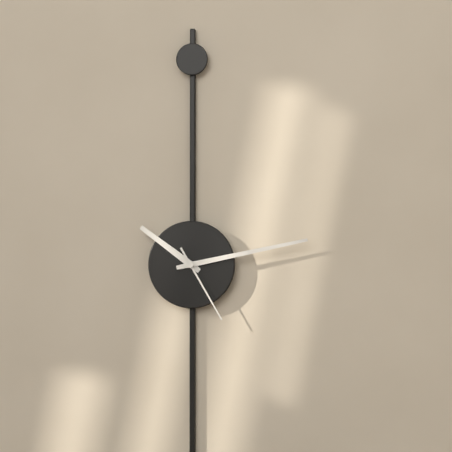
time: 10:13:25
